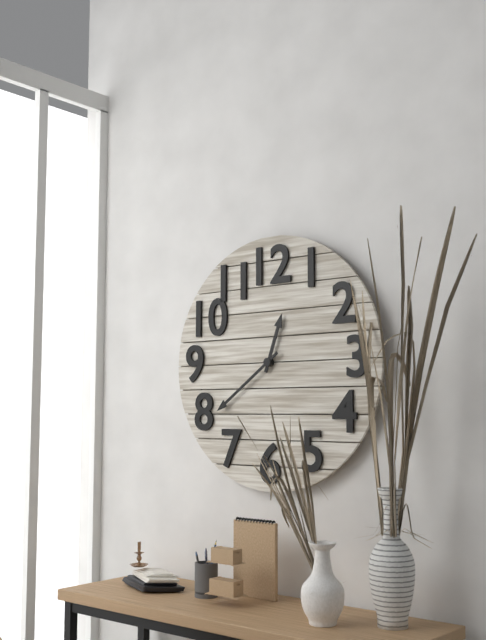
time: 12:39
